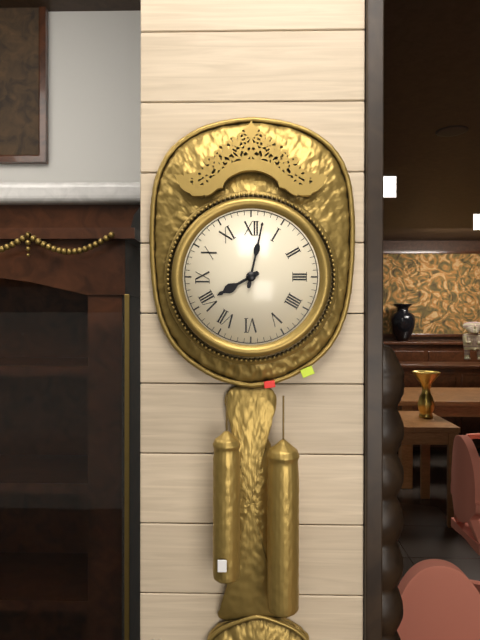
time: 8:02
